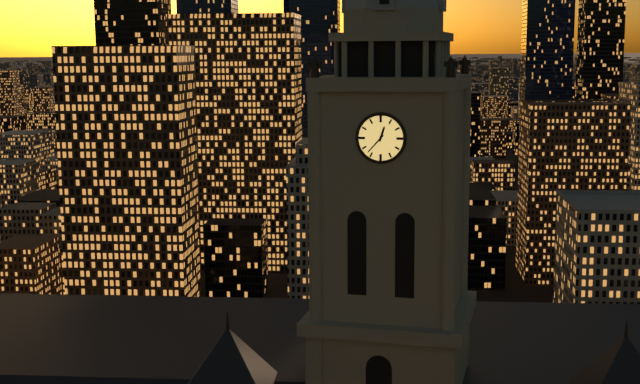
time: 12:37
